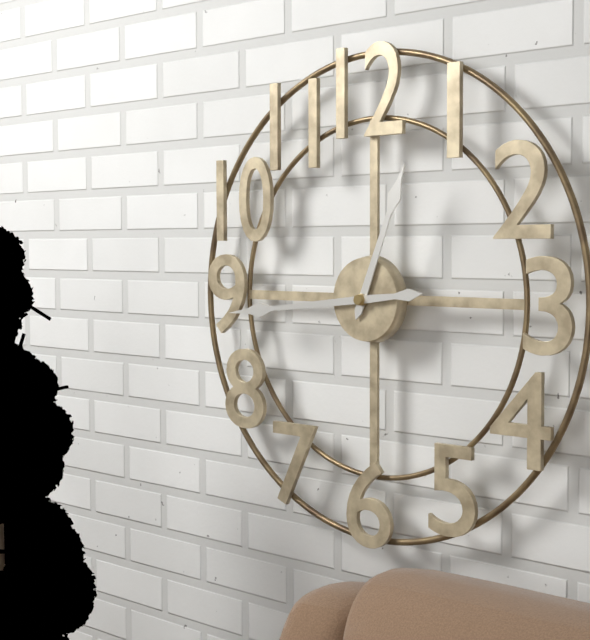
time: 12:44
